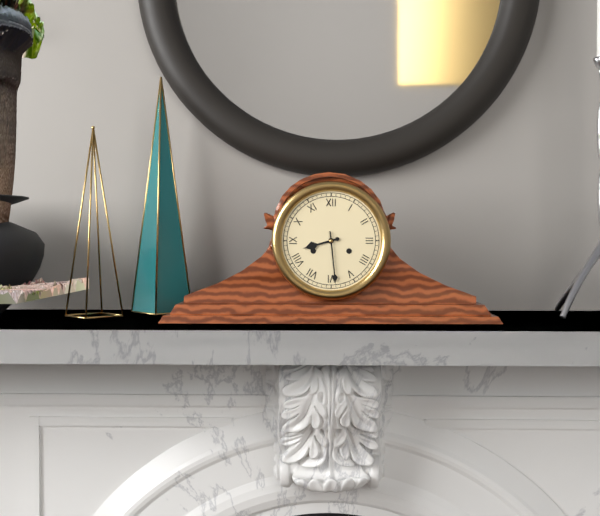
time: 8:29
